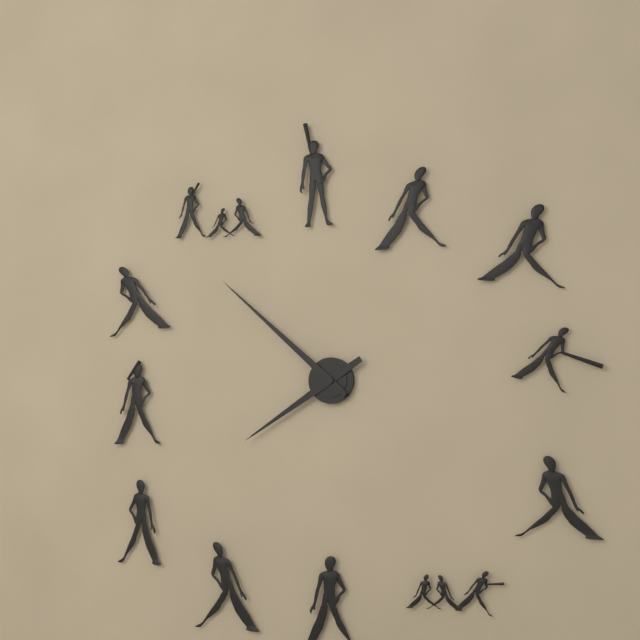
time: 7:52
